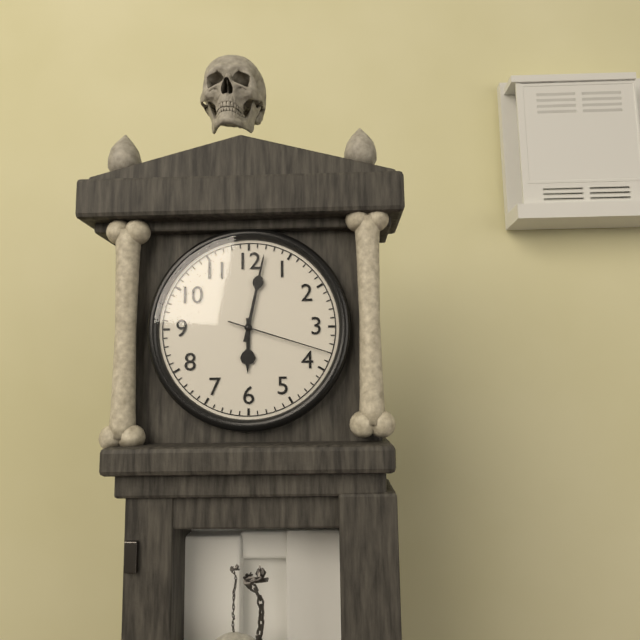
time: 6:02:18
